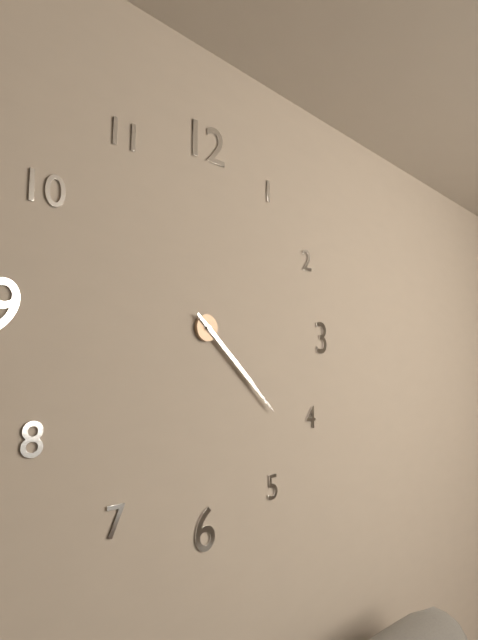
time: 4:22
